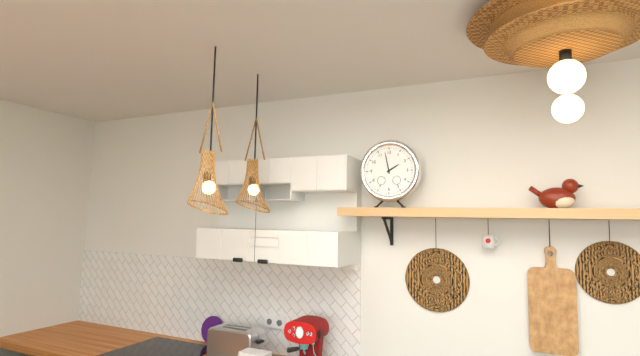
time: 1:58
